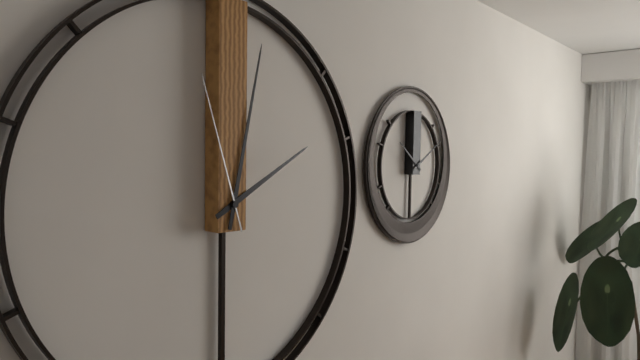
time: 2:02:57
